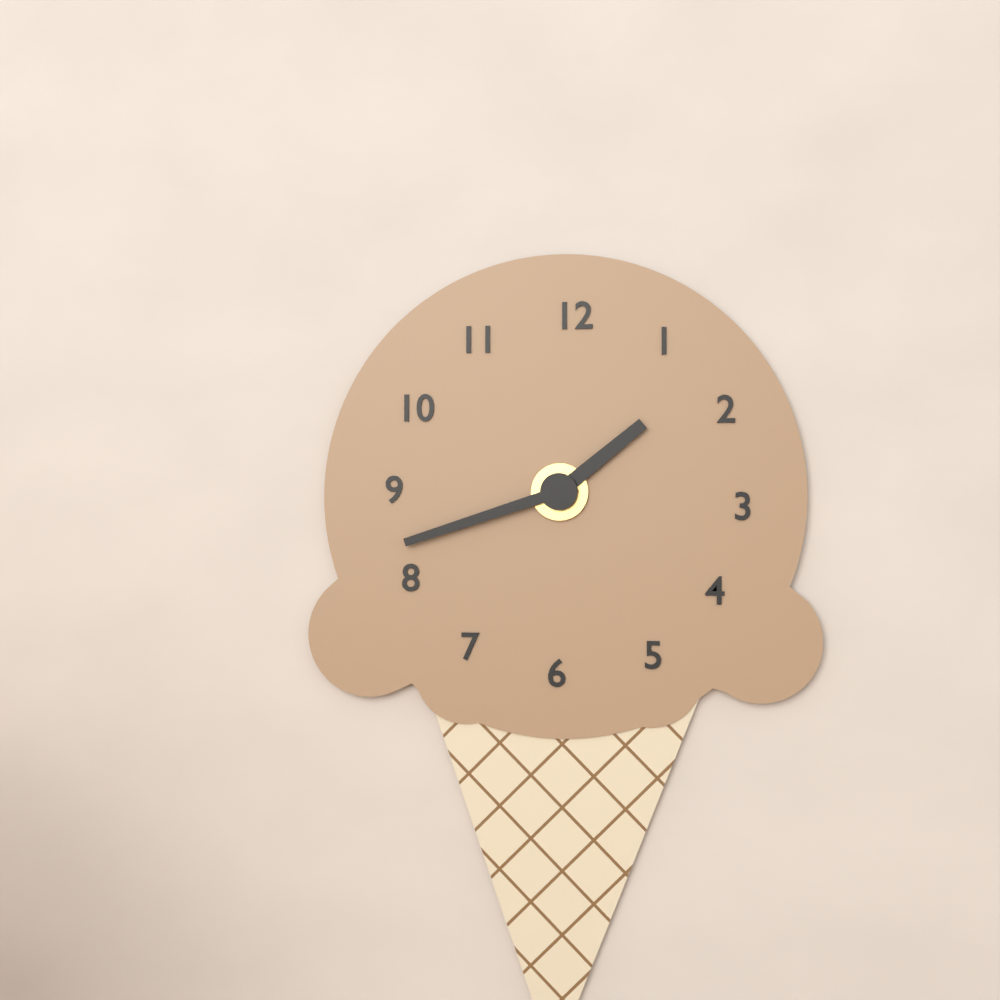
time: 1:42
